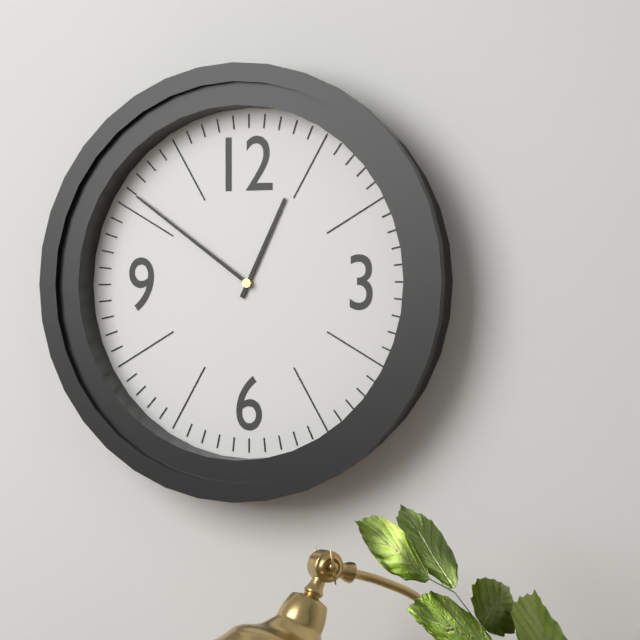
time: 12:51
